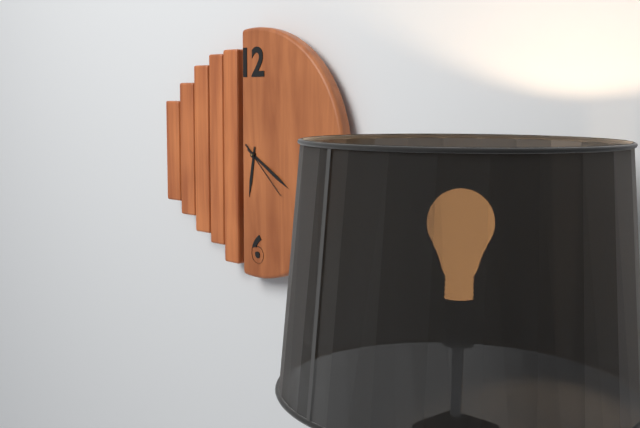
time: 6:20:22
